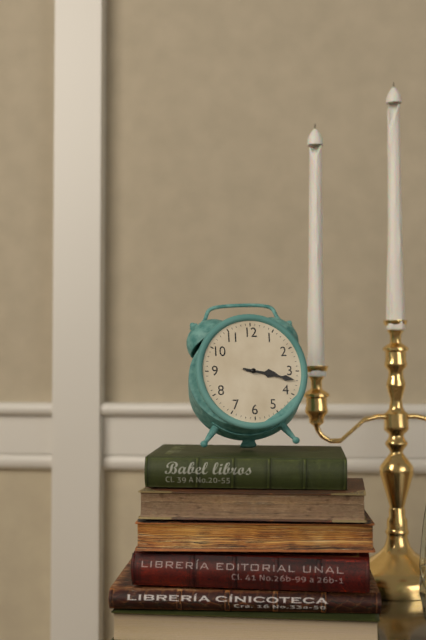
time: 3:17
